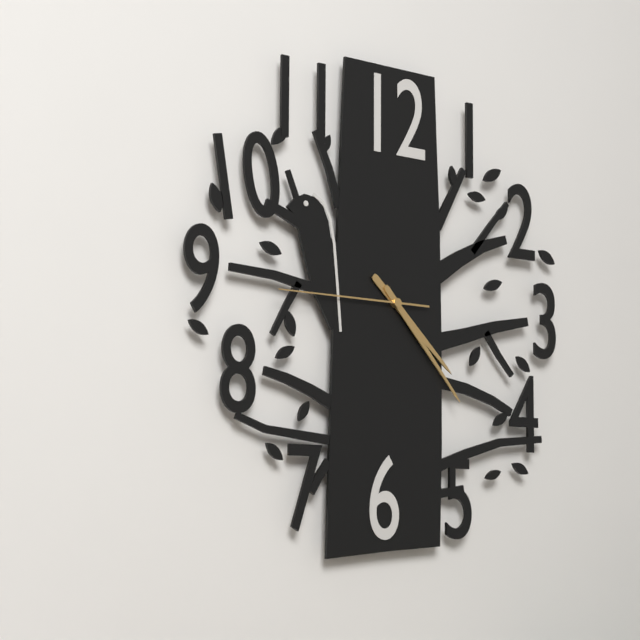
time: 4:23:45
